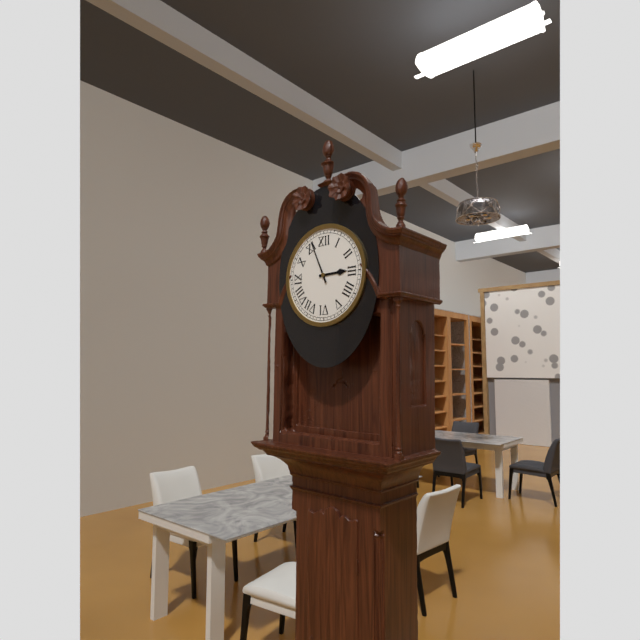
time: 2:56
